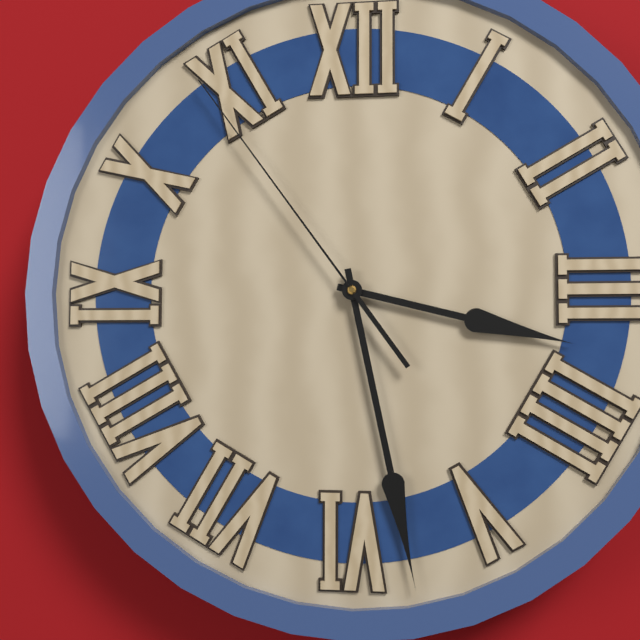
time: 3:28:54
